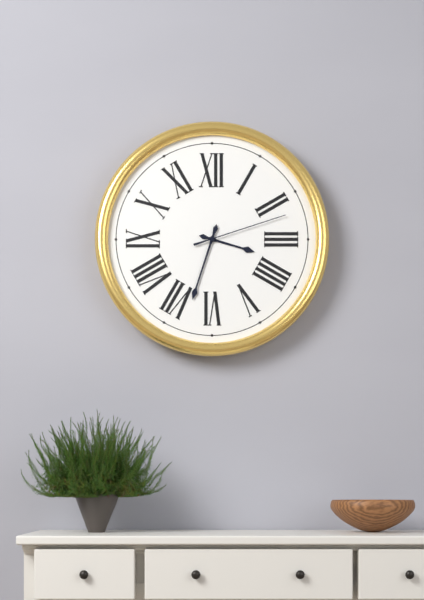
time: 3:33:12
